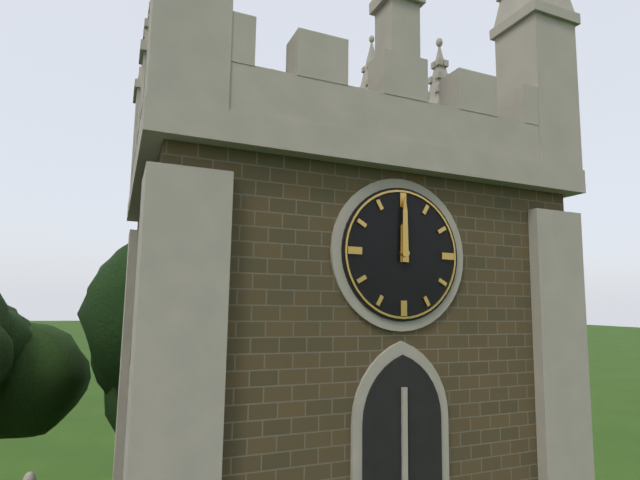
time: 12:00
